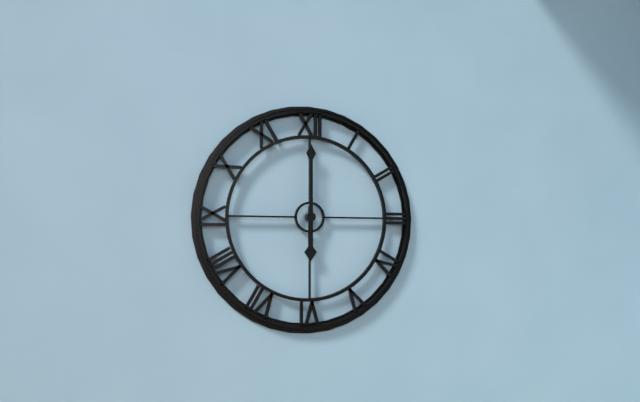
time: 6:00
